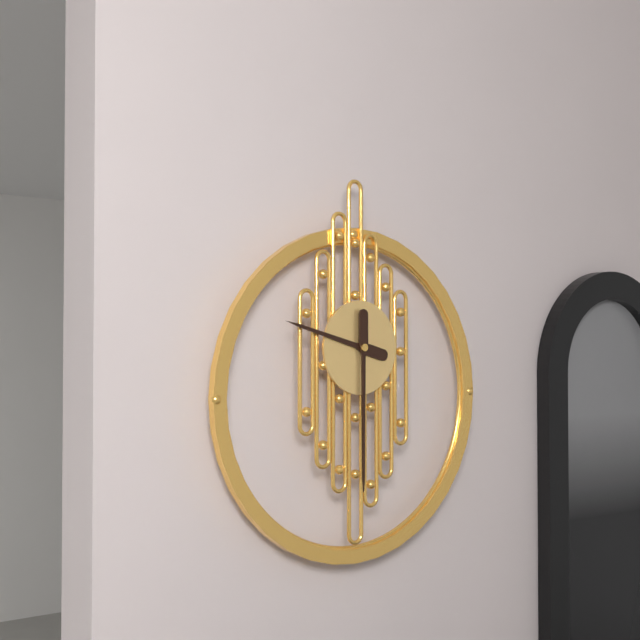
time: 9:30
